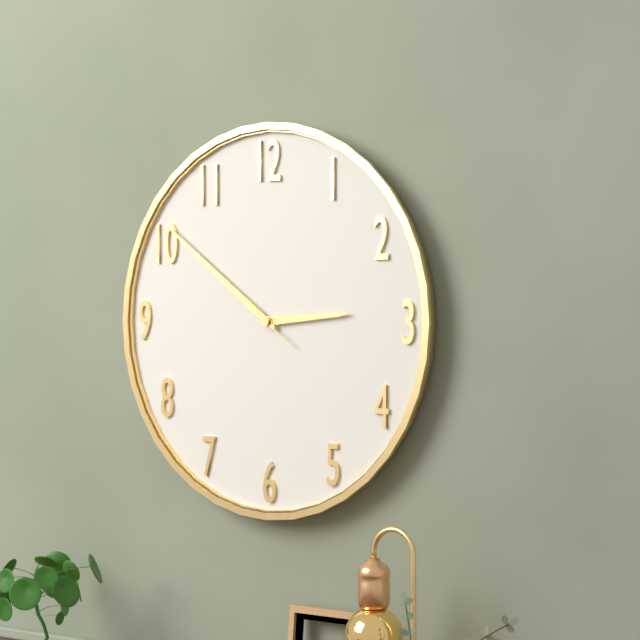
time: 2:51:51
